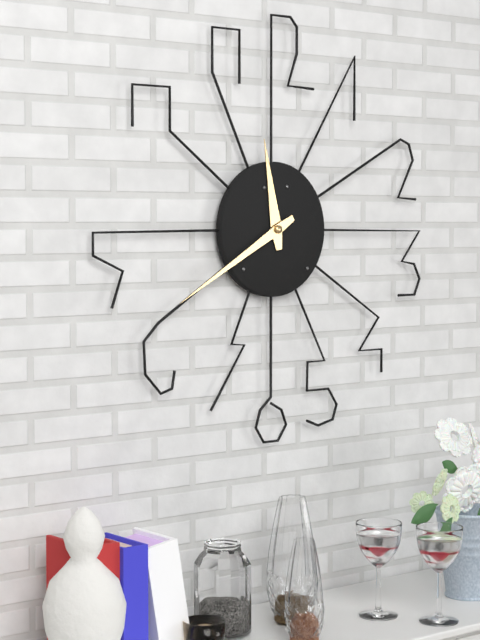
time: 11:40
